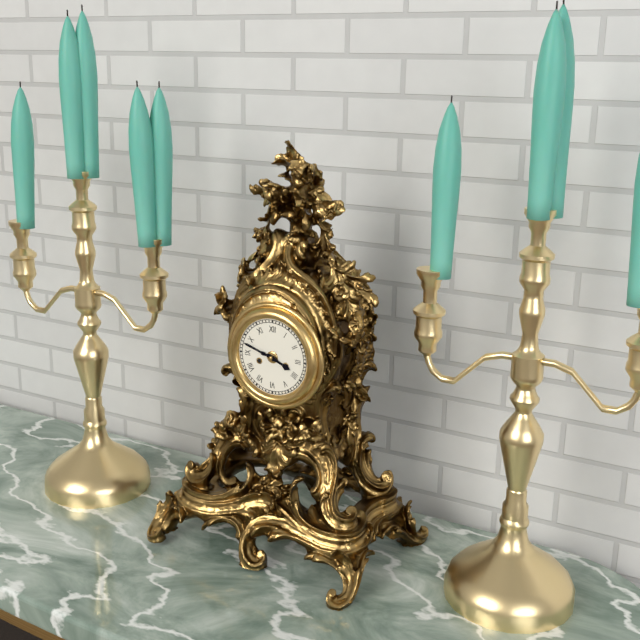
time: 3:48
